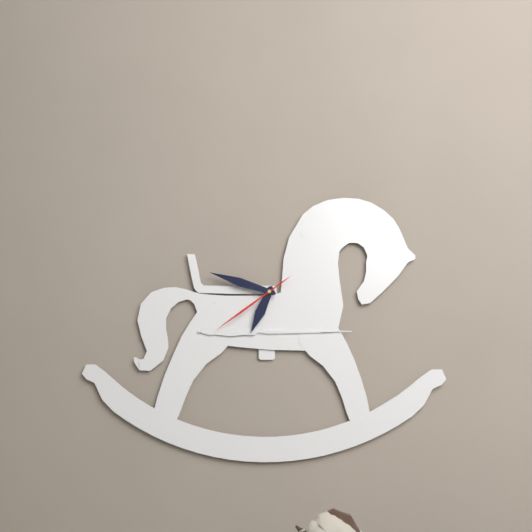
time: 6:48:39
